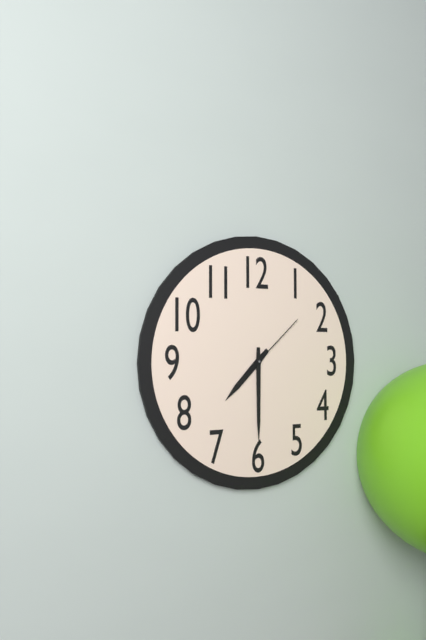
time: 7:30:08
